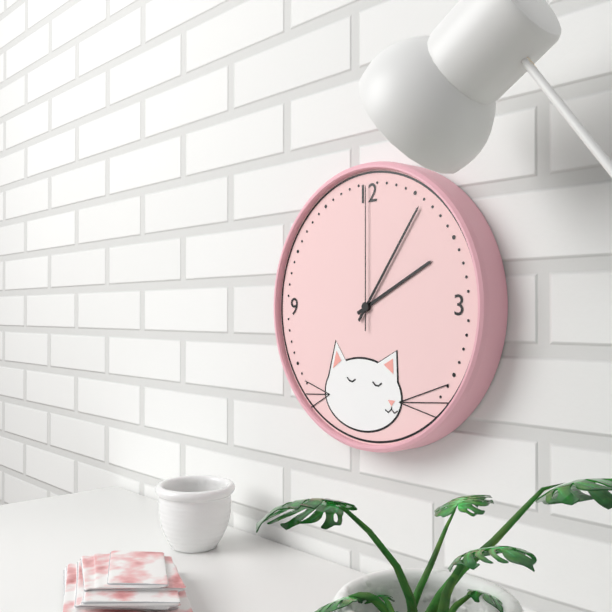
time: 2:06:00
